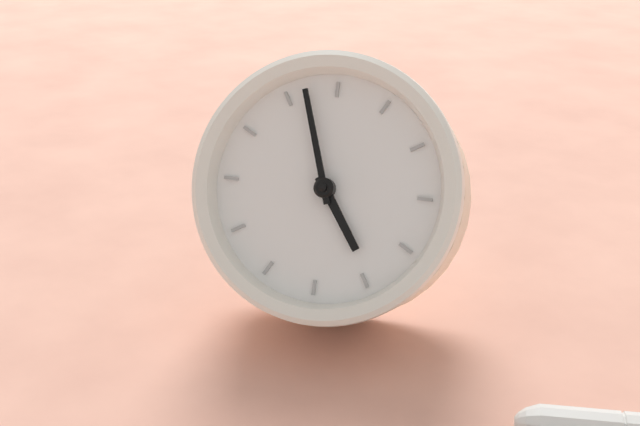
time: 3:52
